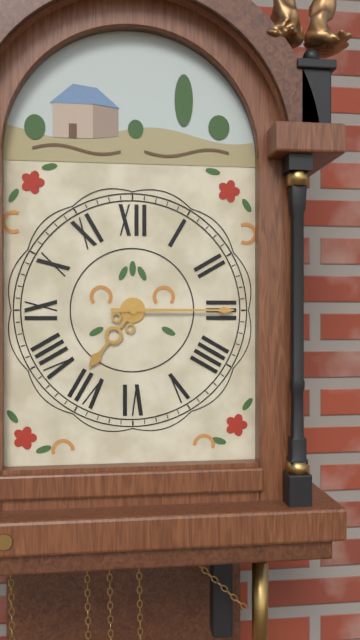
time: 7:15
